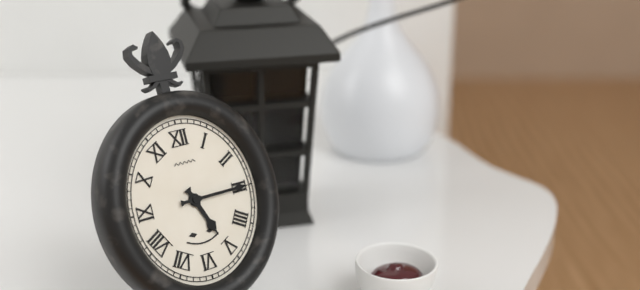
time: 5:15
